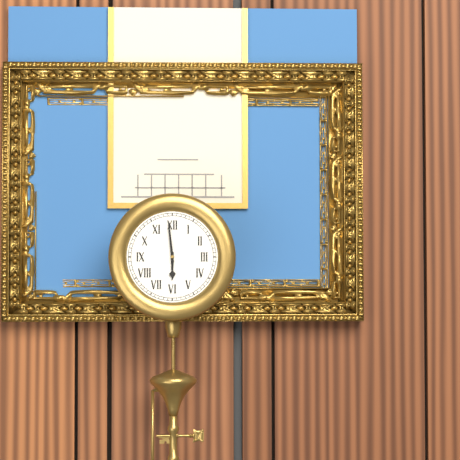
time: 5:59
